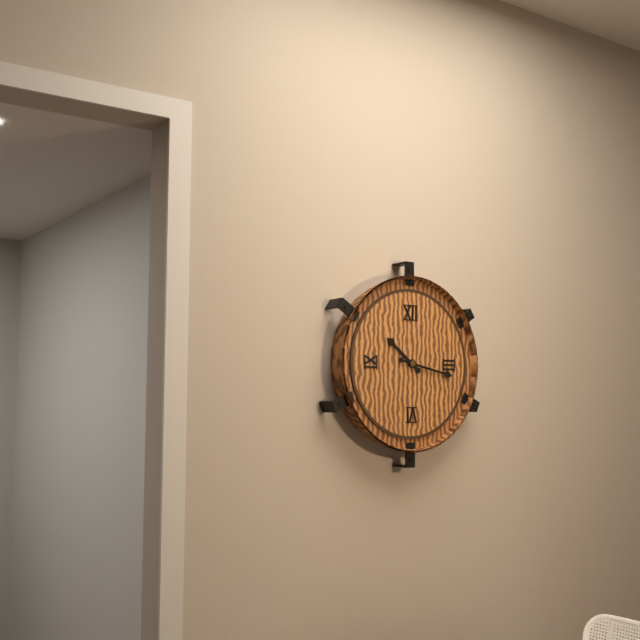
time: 10:17
